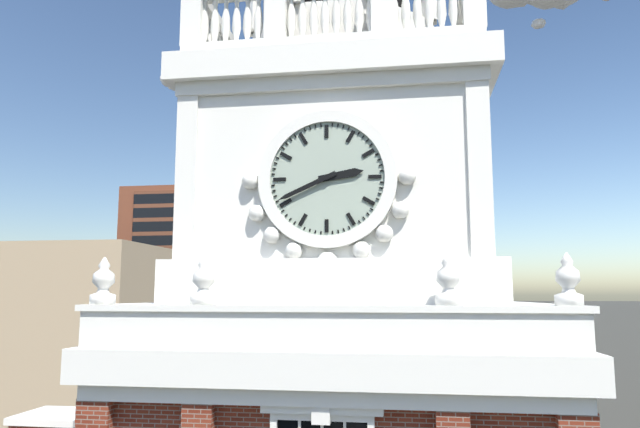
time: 2:41
